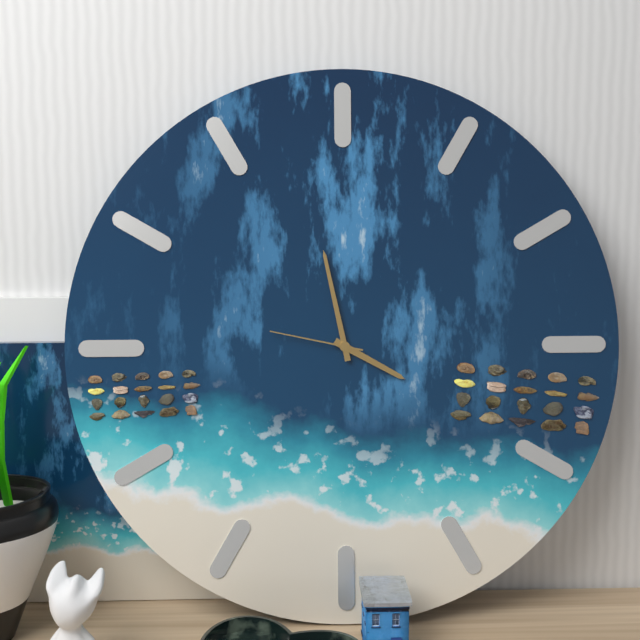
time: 3:58:47
